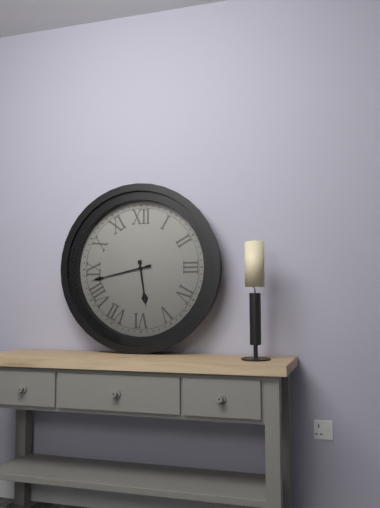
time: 5:43
